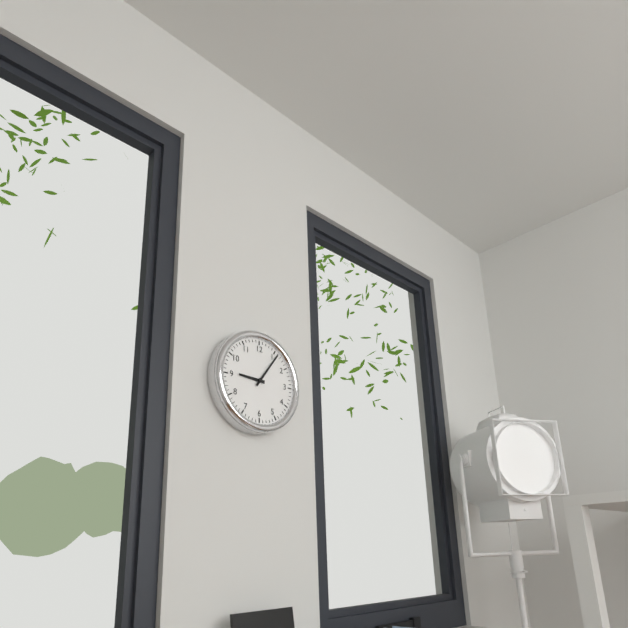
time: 9:06
